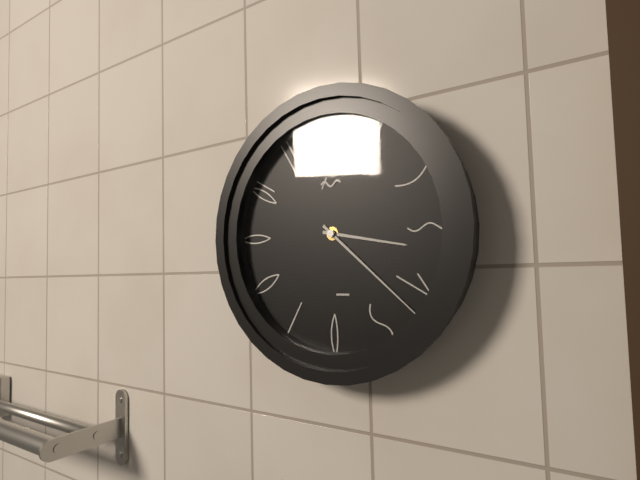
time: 3:22
